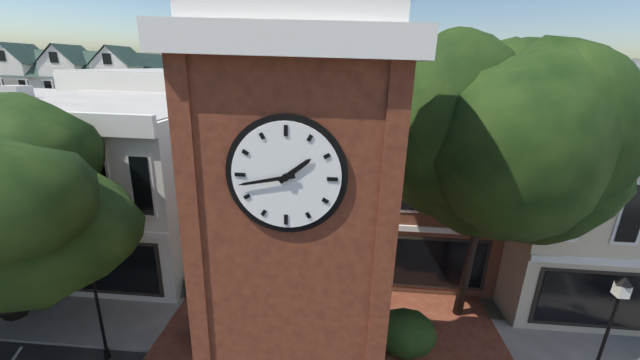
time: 1:43
